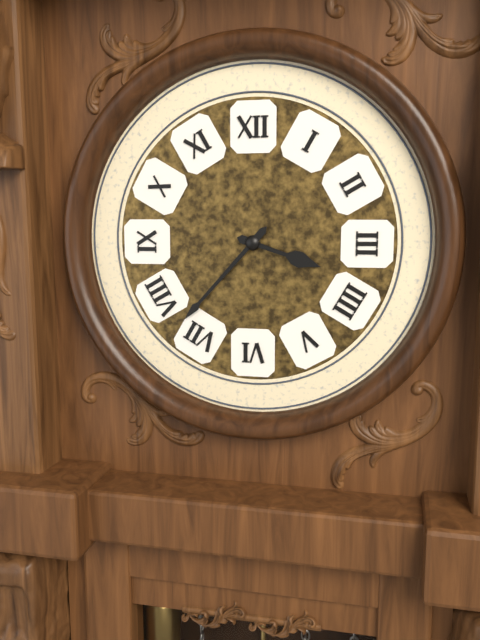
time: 3:37
